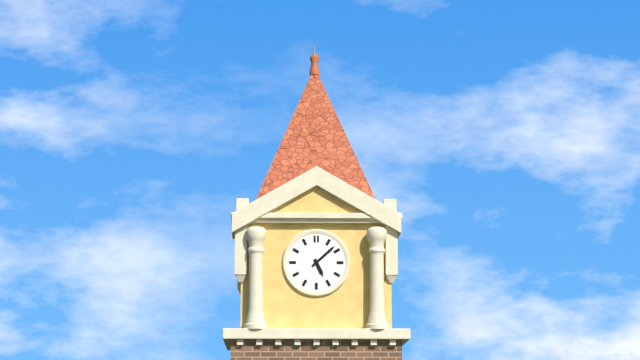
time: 5:08
